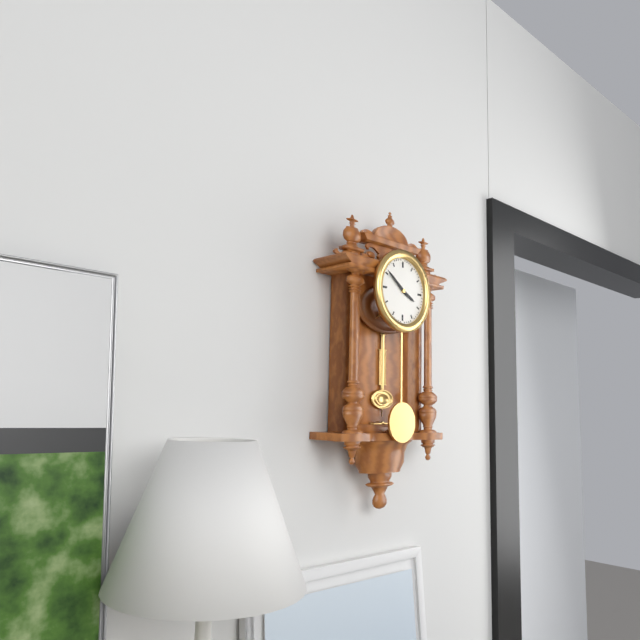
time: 3:51
